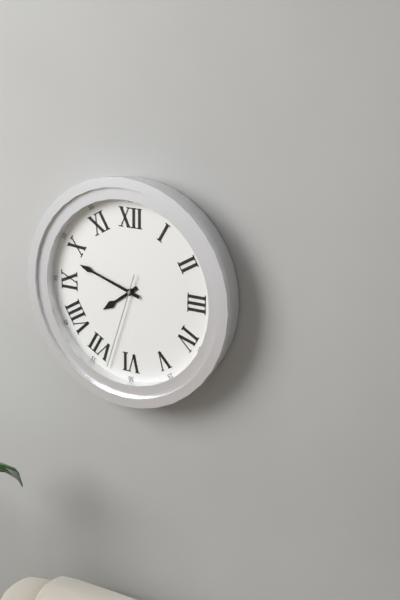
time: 7:48:33
